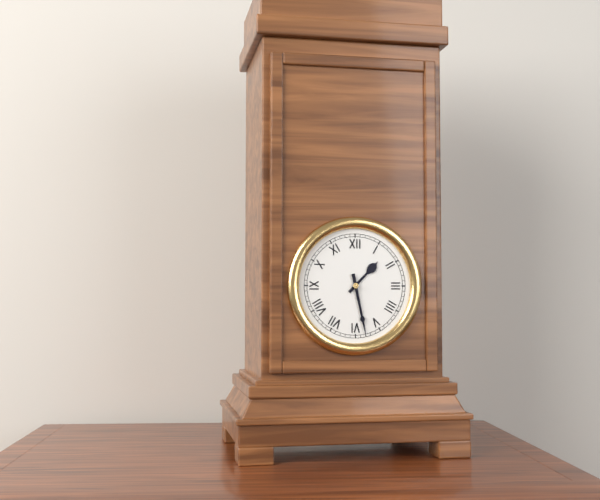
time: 1:28
